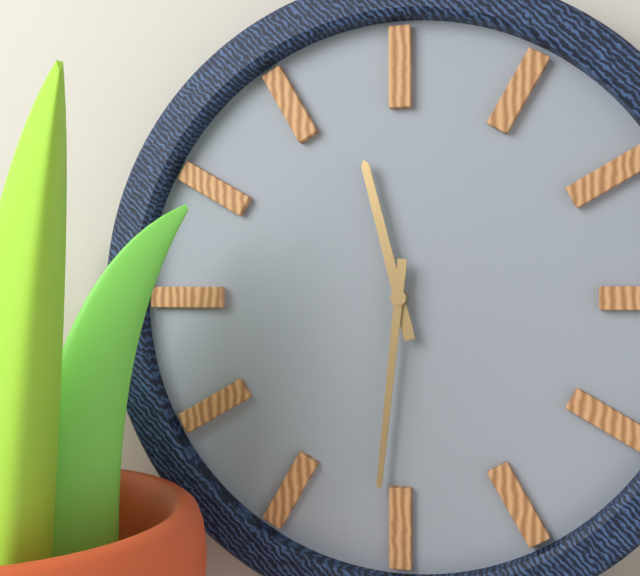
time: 11:31
